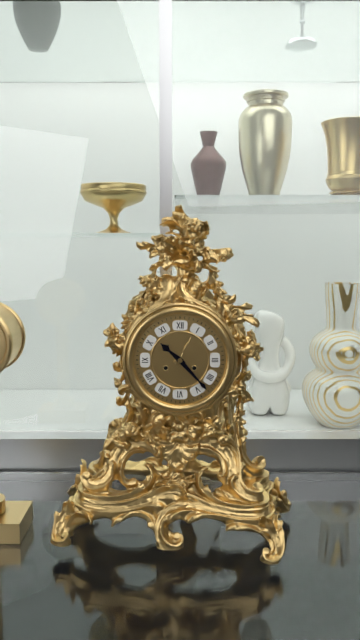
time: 10:23
